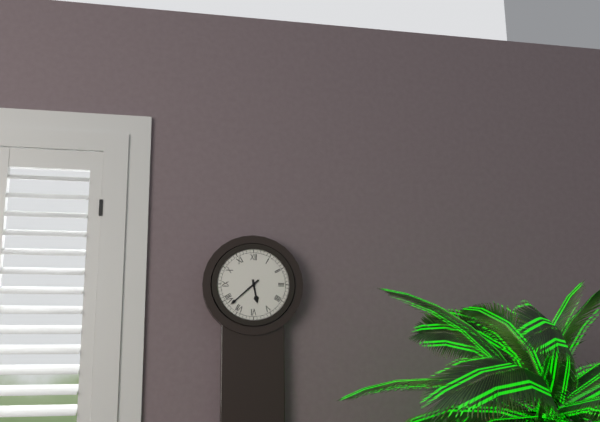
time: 5:38
